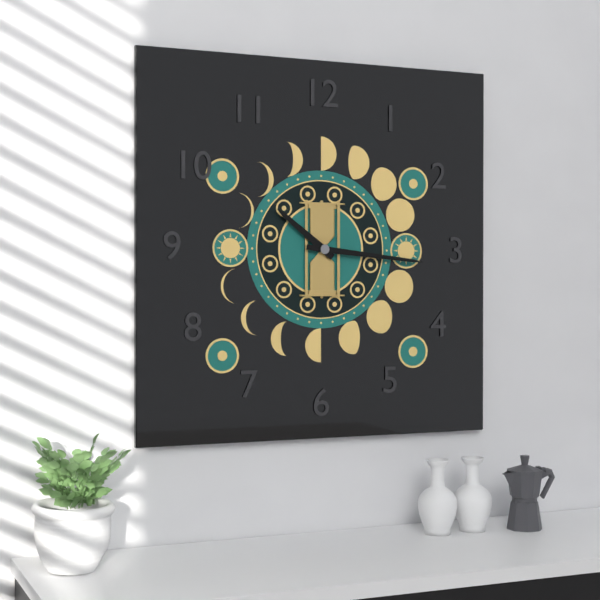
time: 10:16
